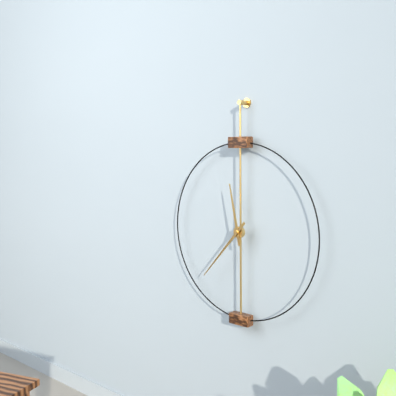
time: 11:37
